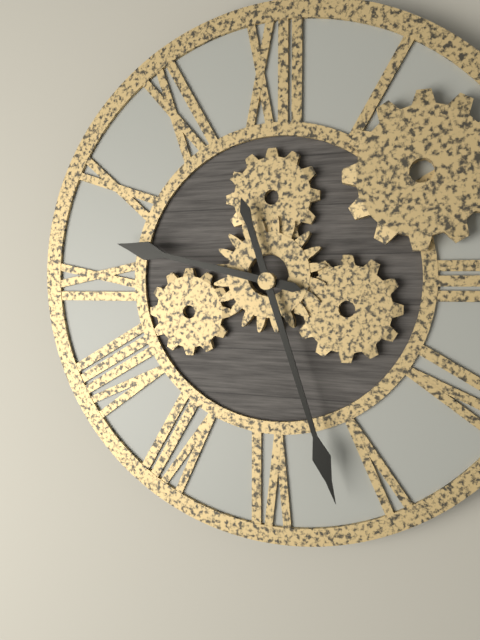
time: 9:27
